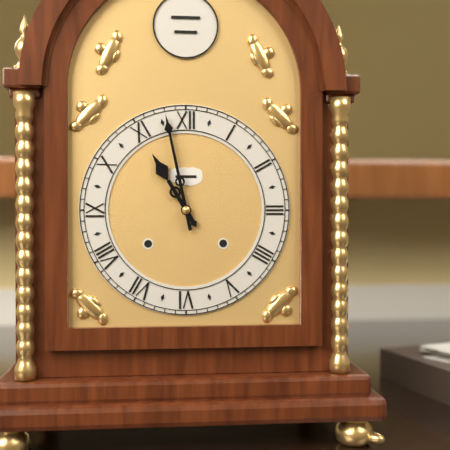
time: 10:58
